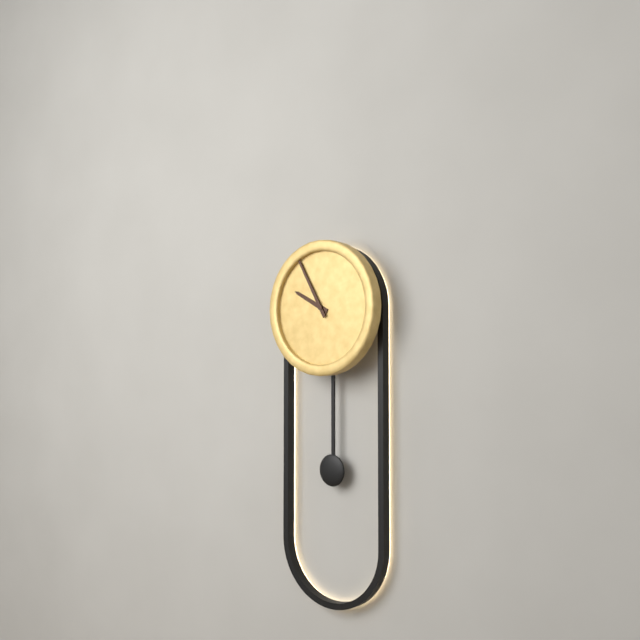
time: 9:55
